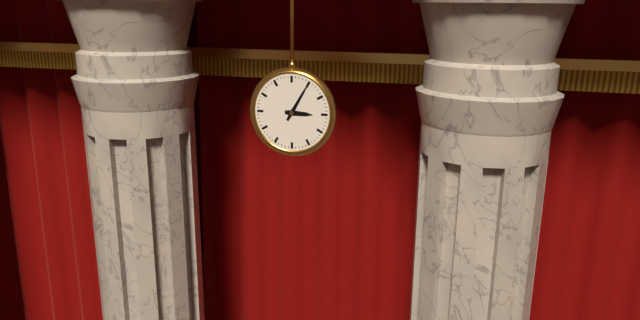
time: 3:05
